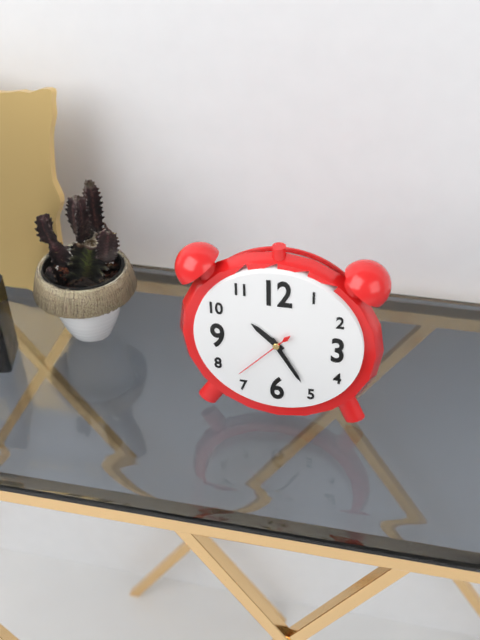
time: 10:25:37
